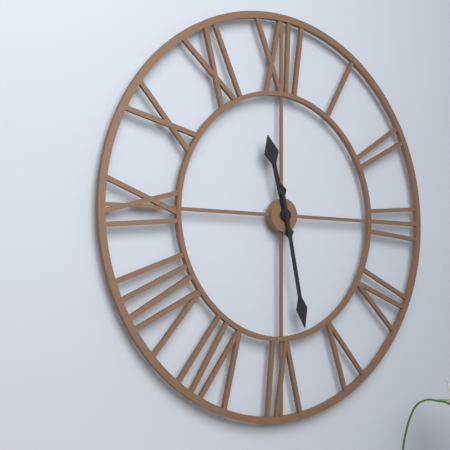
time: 11:28
